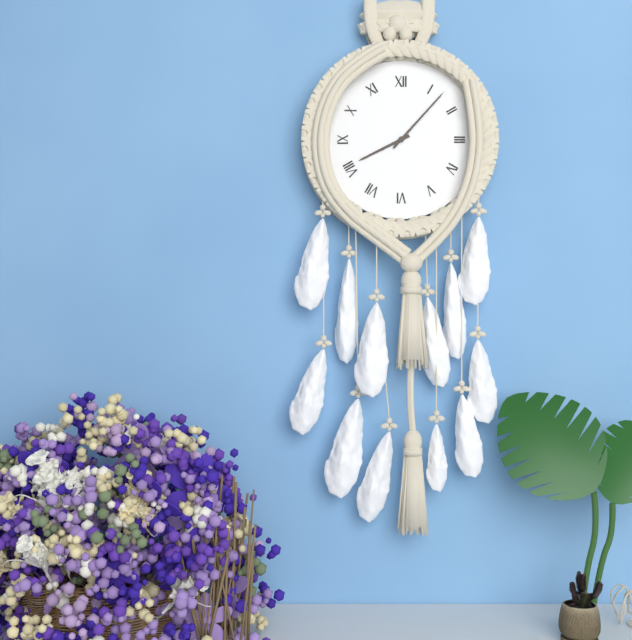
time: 8:07
